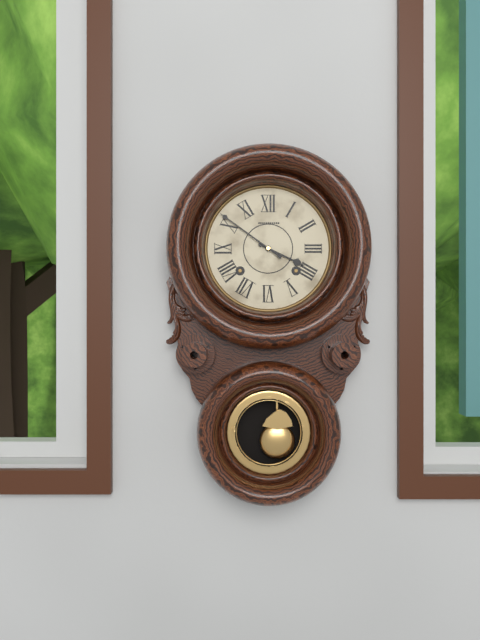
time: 3:51
